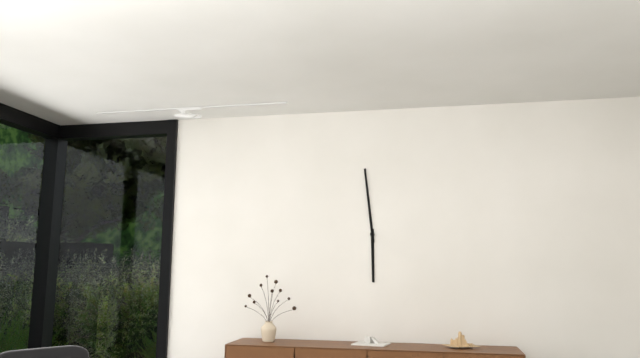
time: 5:59
